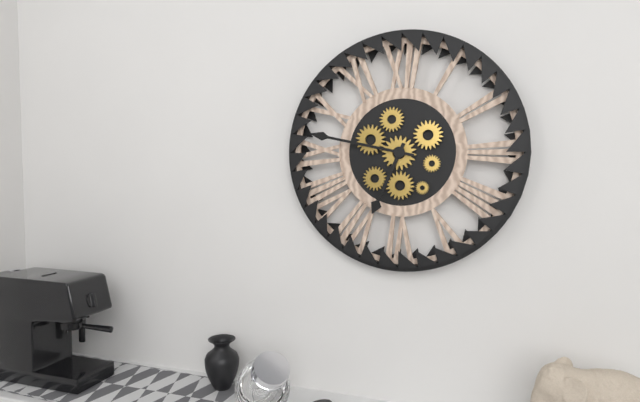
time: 6:47
